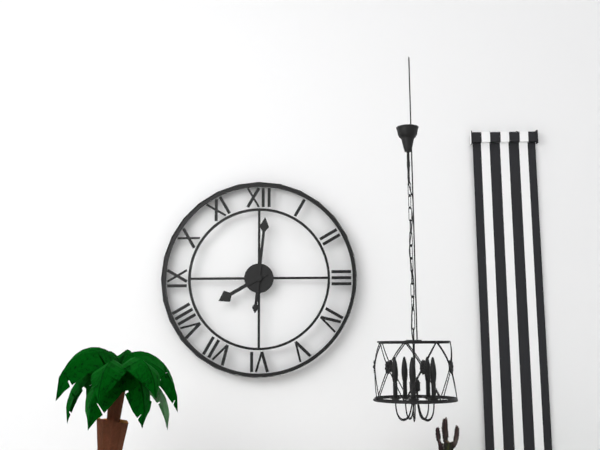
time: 8:01
